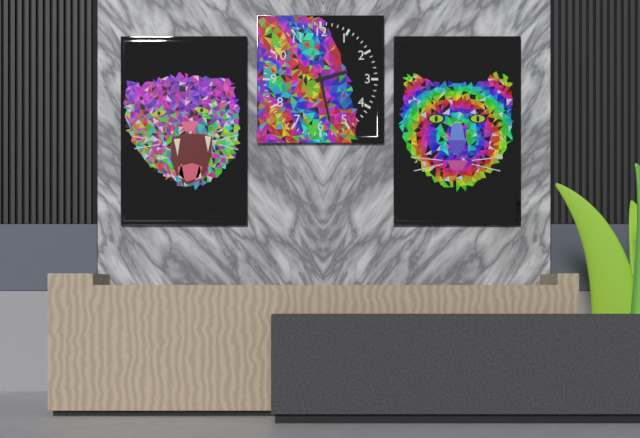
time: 2:28
